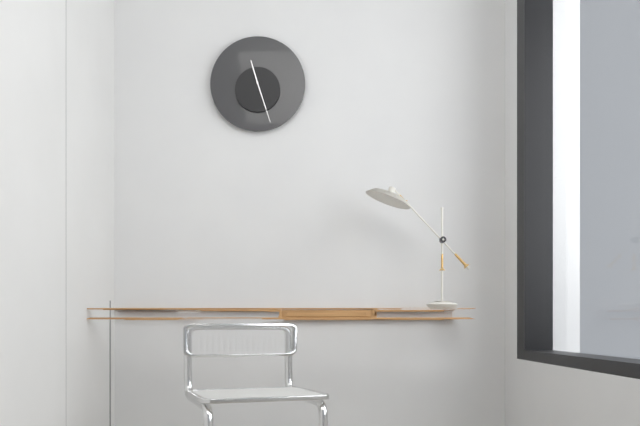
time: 11:27
